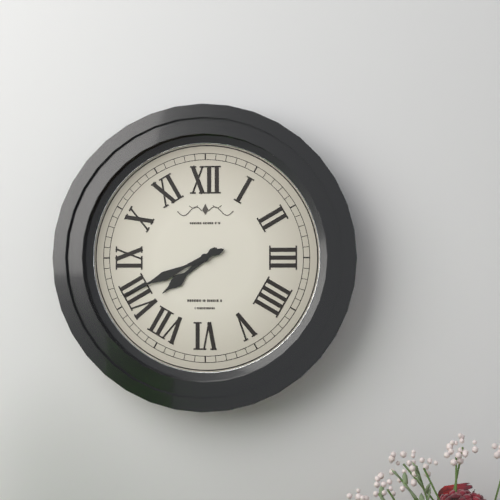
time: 7:41
